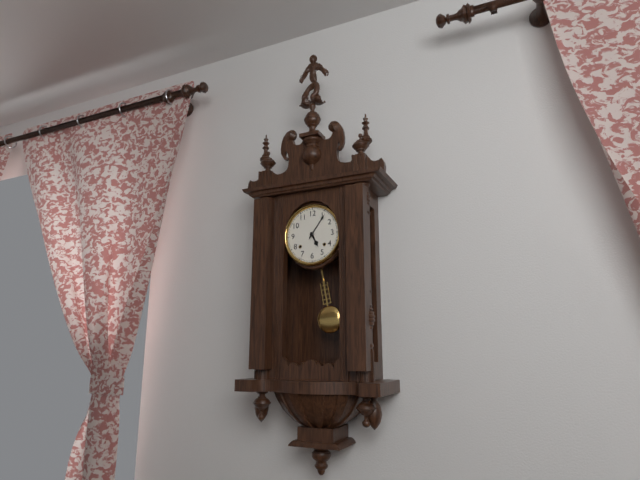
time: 5:06
